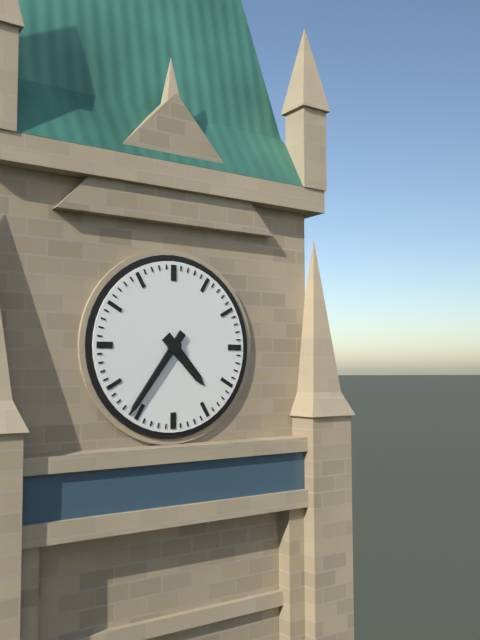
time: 4:36
